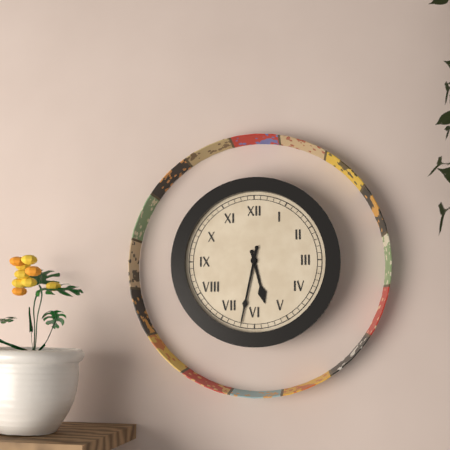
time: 5:32
